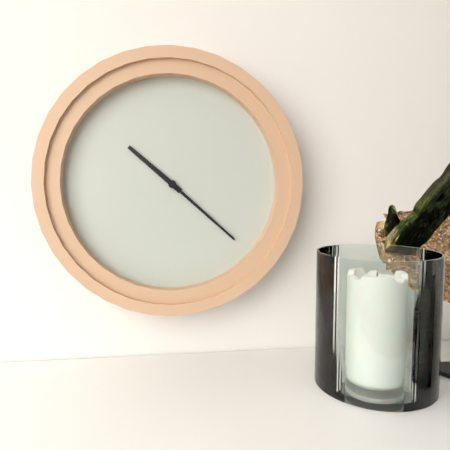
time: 10:22
